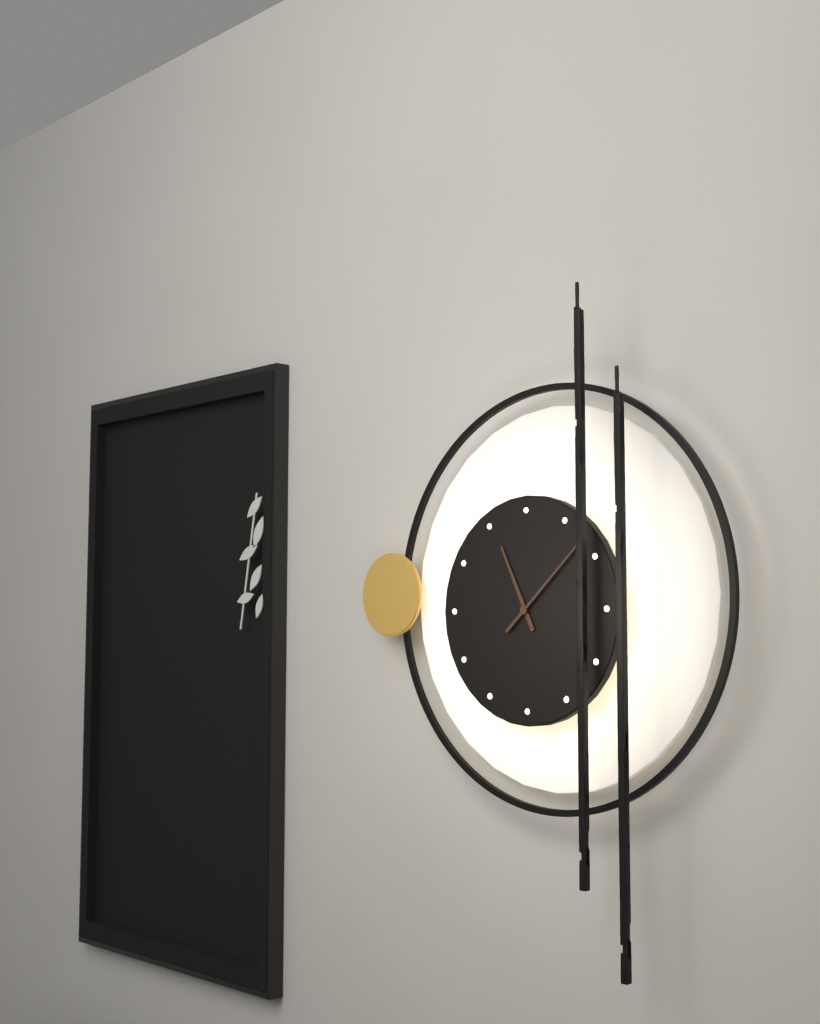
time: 11:08
